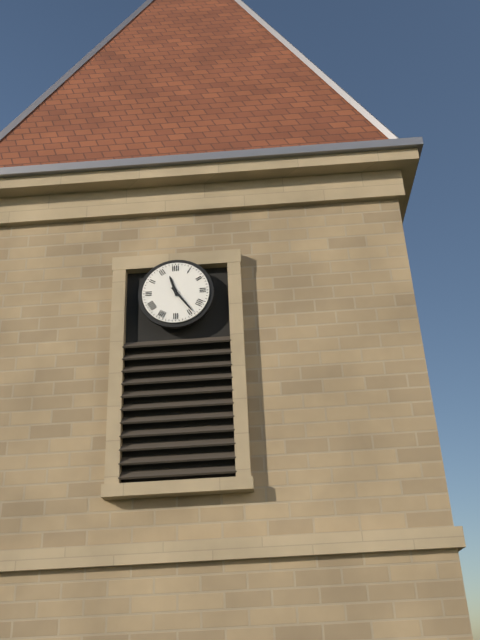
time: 11:24
